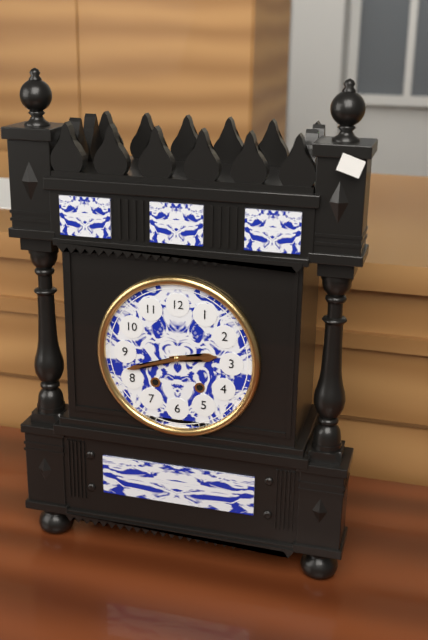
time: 2:42
